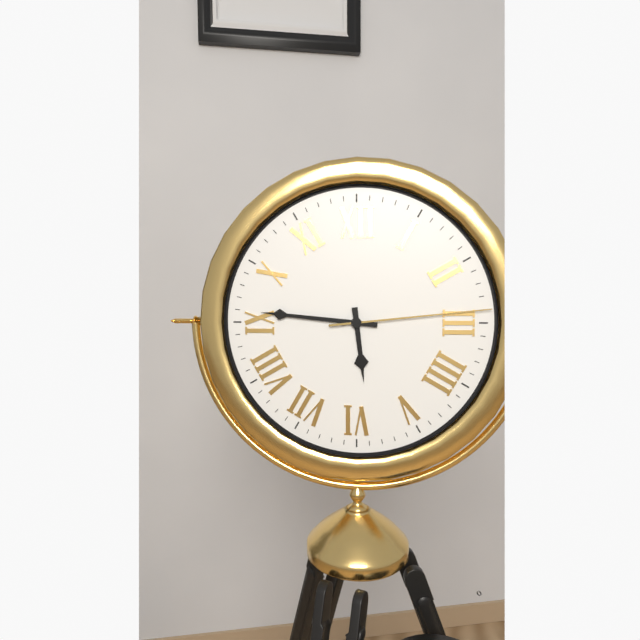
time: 5:46:14
